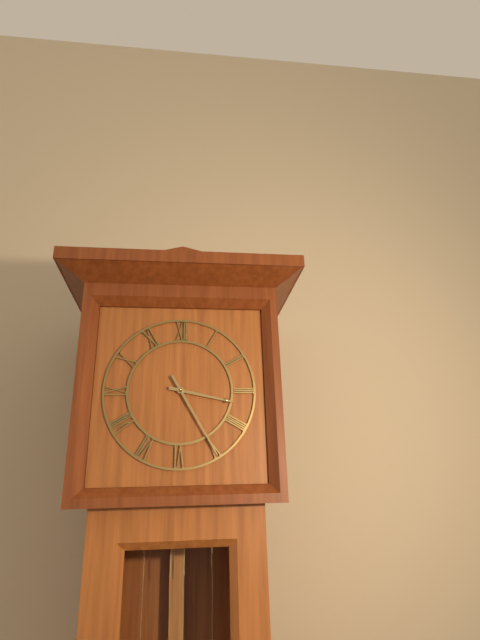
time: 3:25
